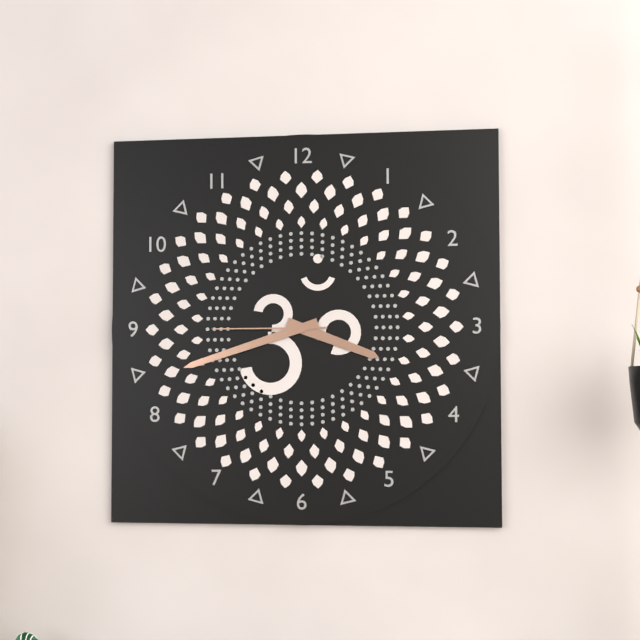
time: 3:42:45
